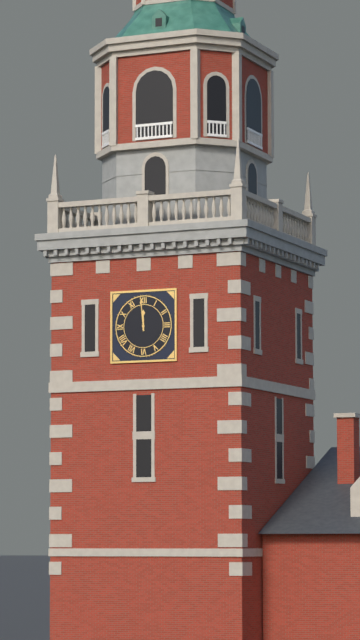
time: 11:59
